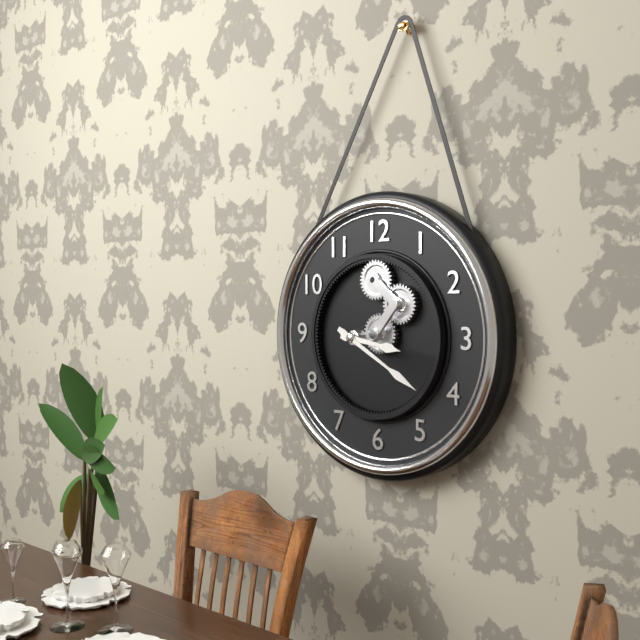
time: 3:20
